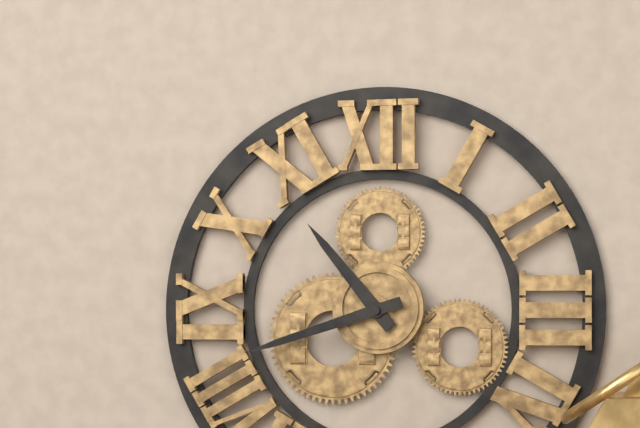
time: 10:42
